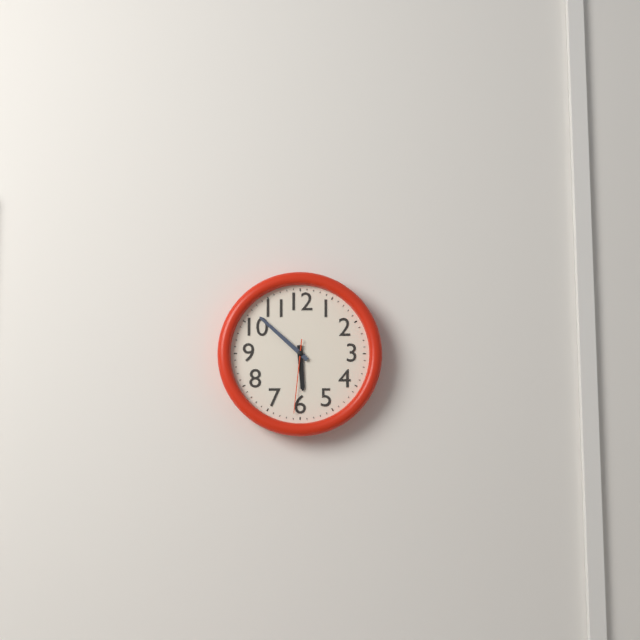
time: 5:52:31
